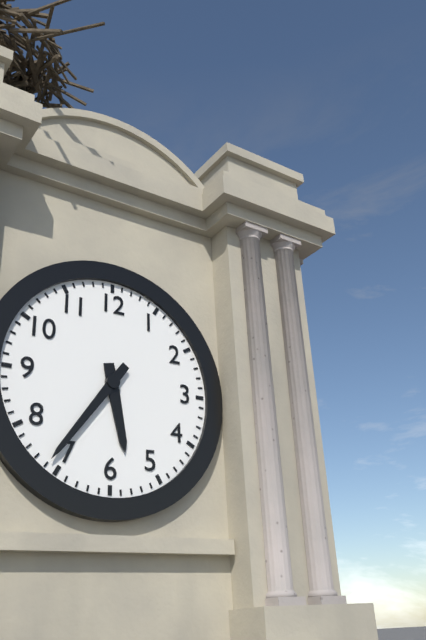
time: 5:36
